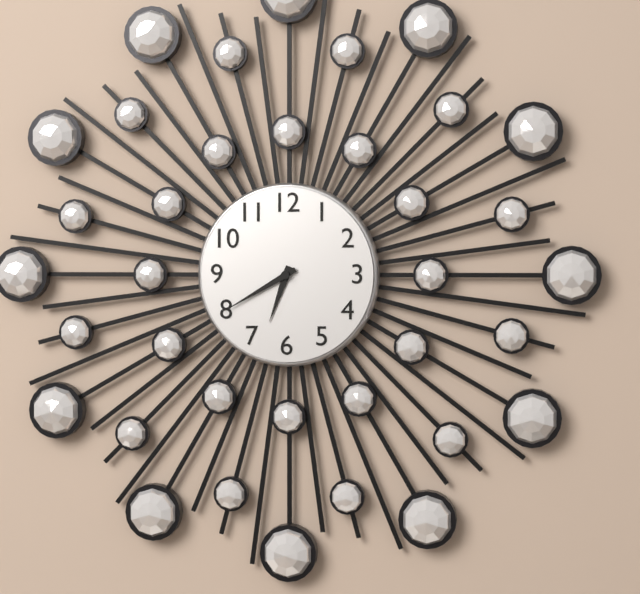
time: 6:40
